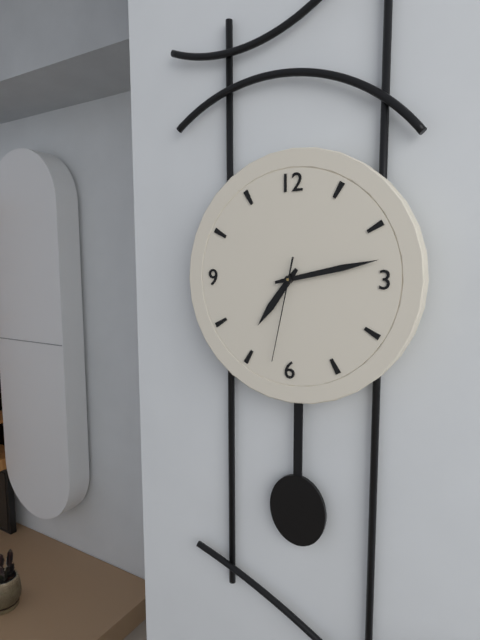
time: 7:13:32
